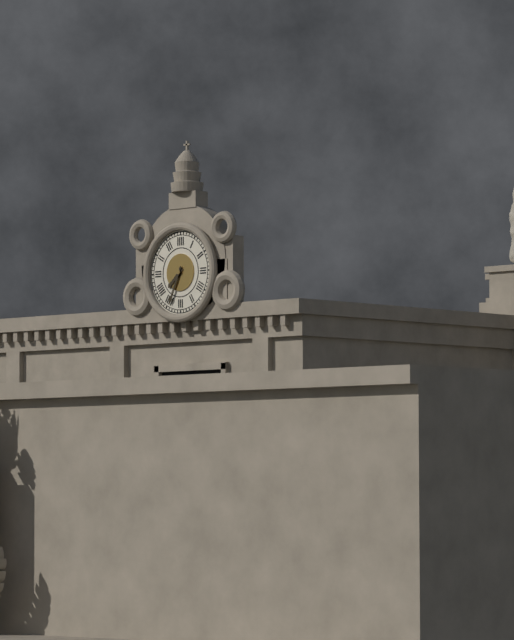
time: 7:34
